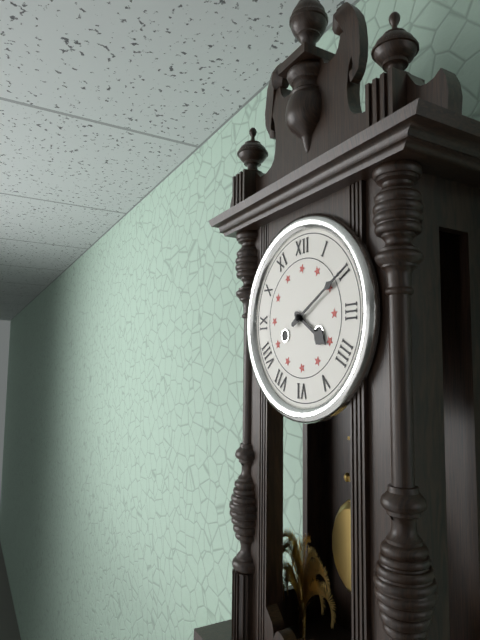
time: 4:10
